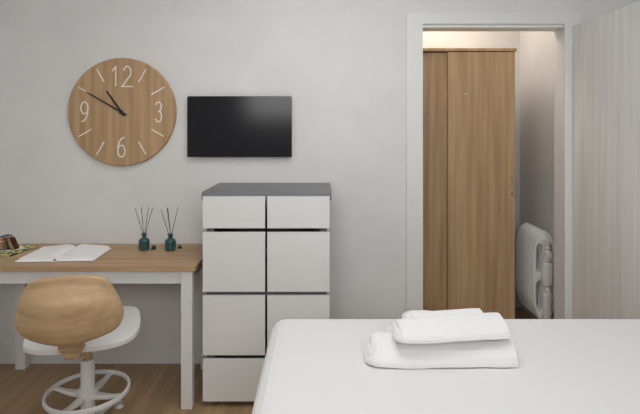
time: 10:50
